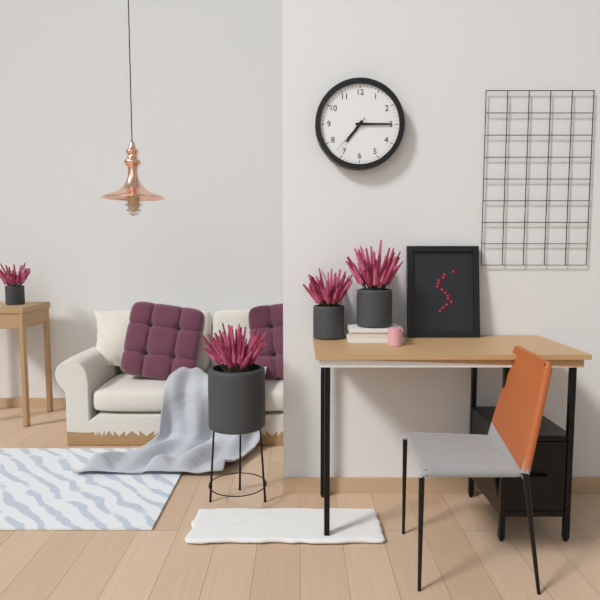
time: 7:15
